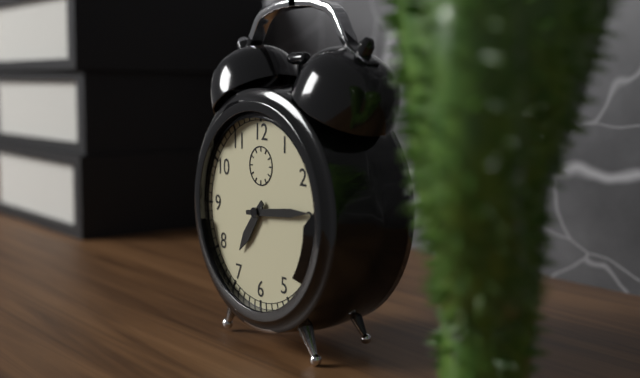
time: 7:14
